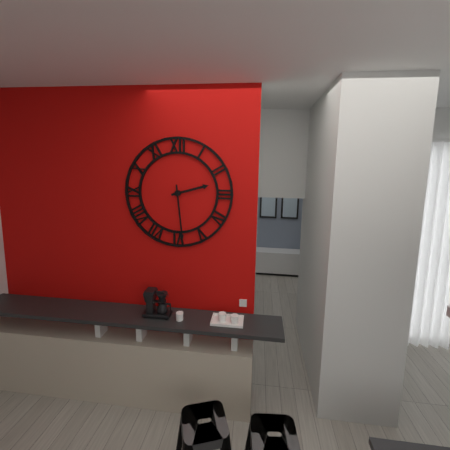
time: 2:29
